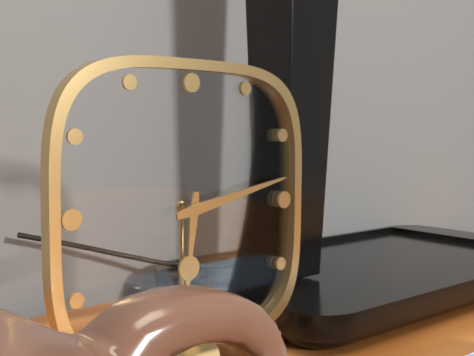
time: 6:13
